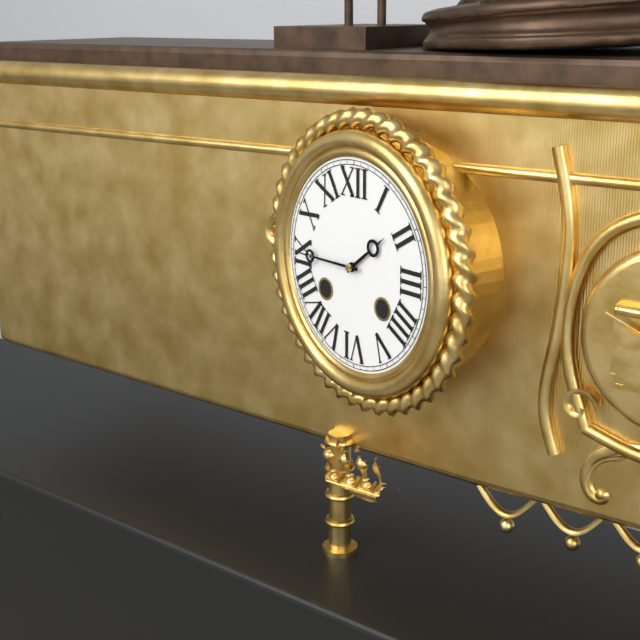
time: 1:45
